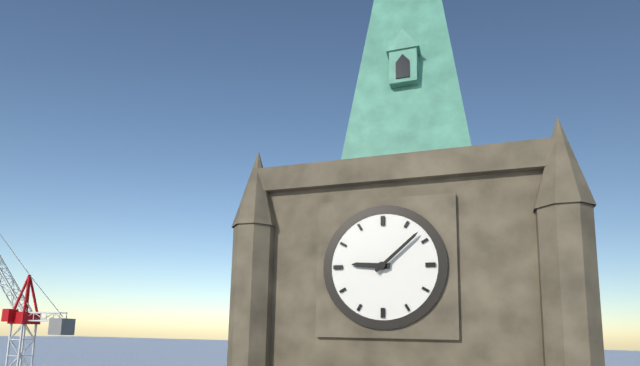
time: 9:08
